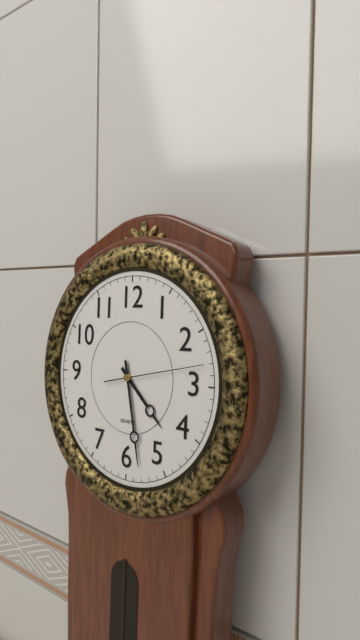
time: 4:28:13
